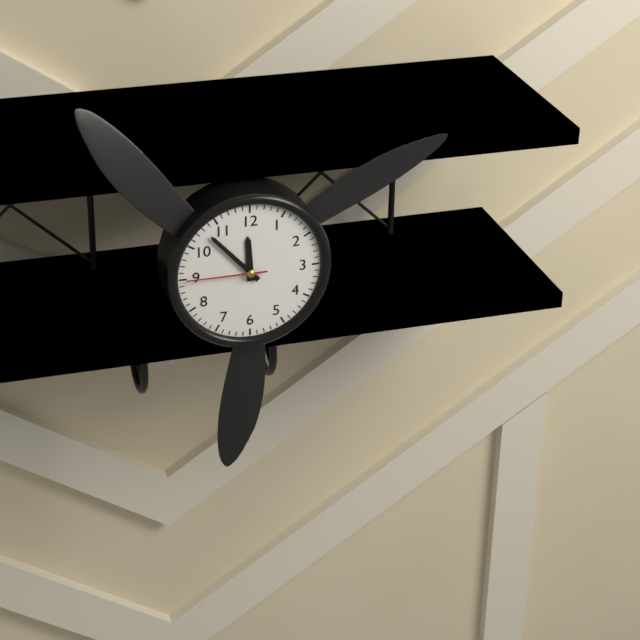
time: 11:53:45
